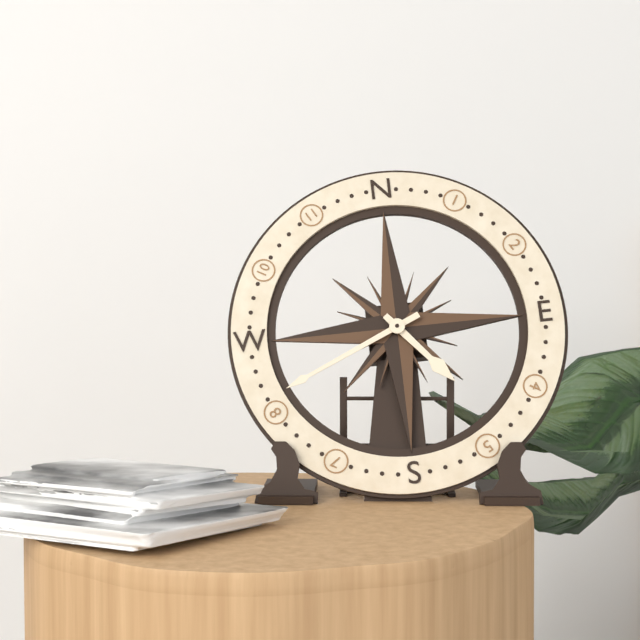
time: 4:41
